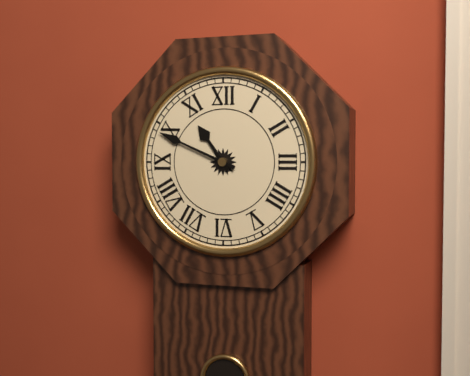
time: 10:49
